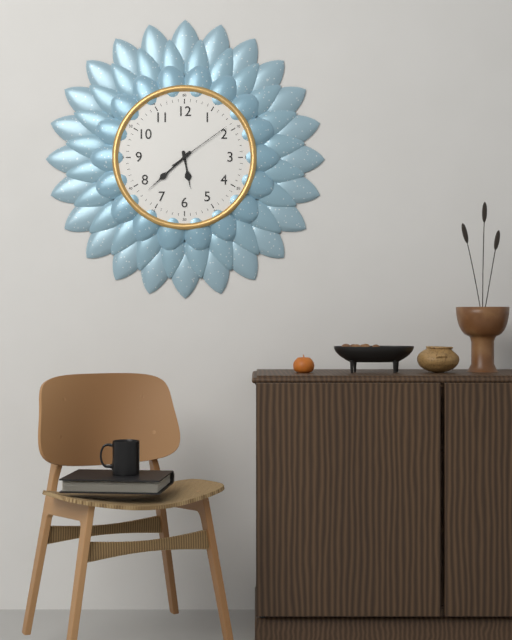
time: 5:38:09
